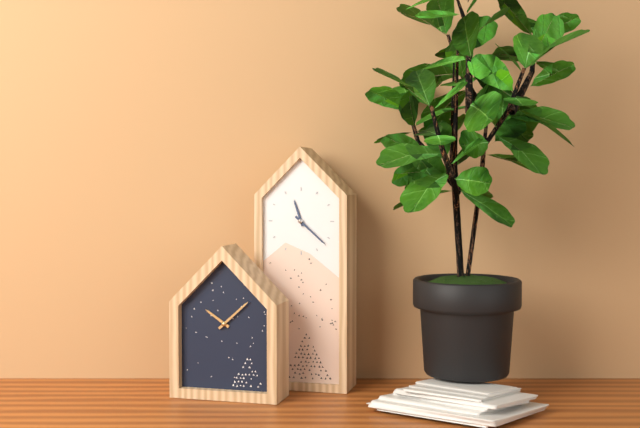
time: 11:22
